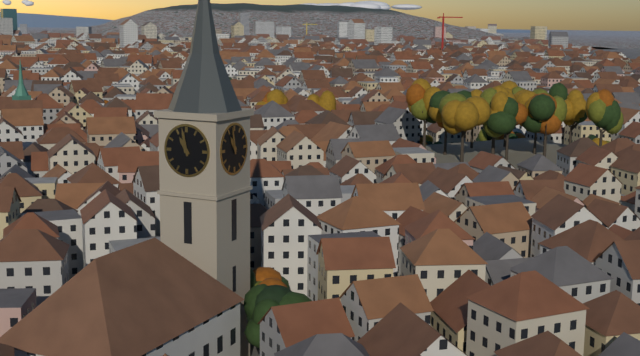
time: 10:58
